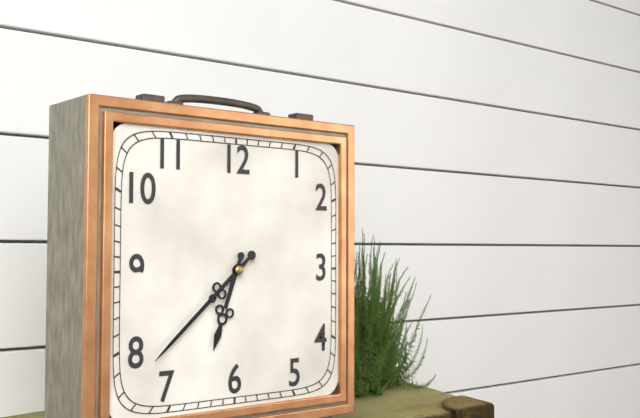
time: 6:38
